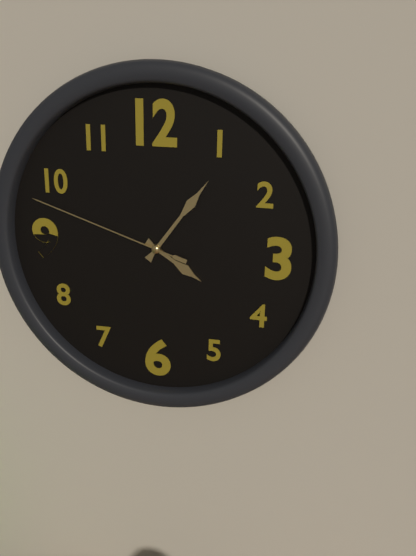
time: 4:06:48
